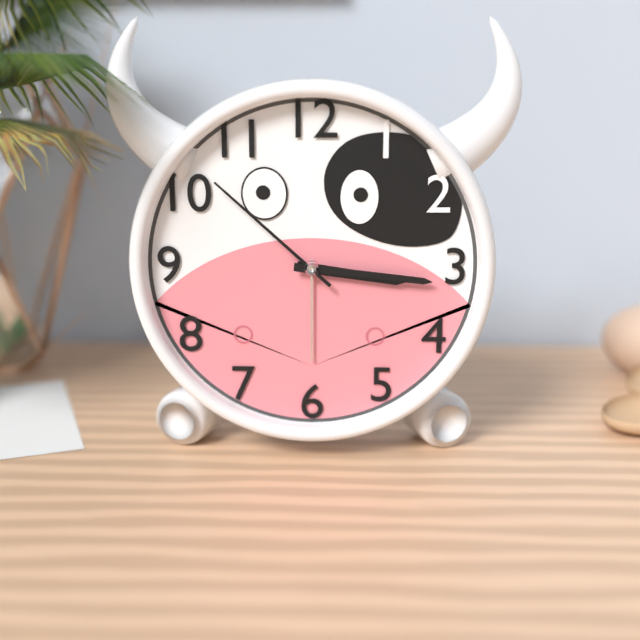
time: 3:16:52
